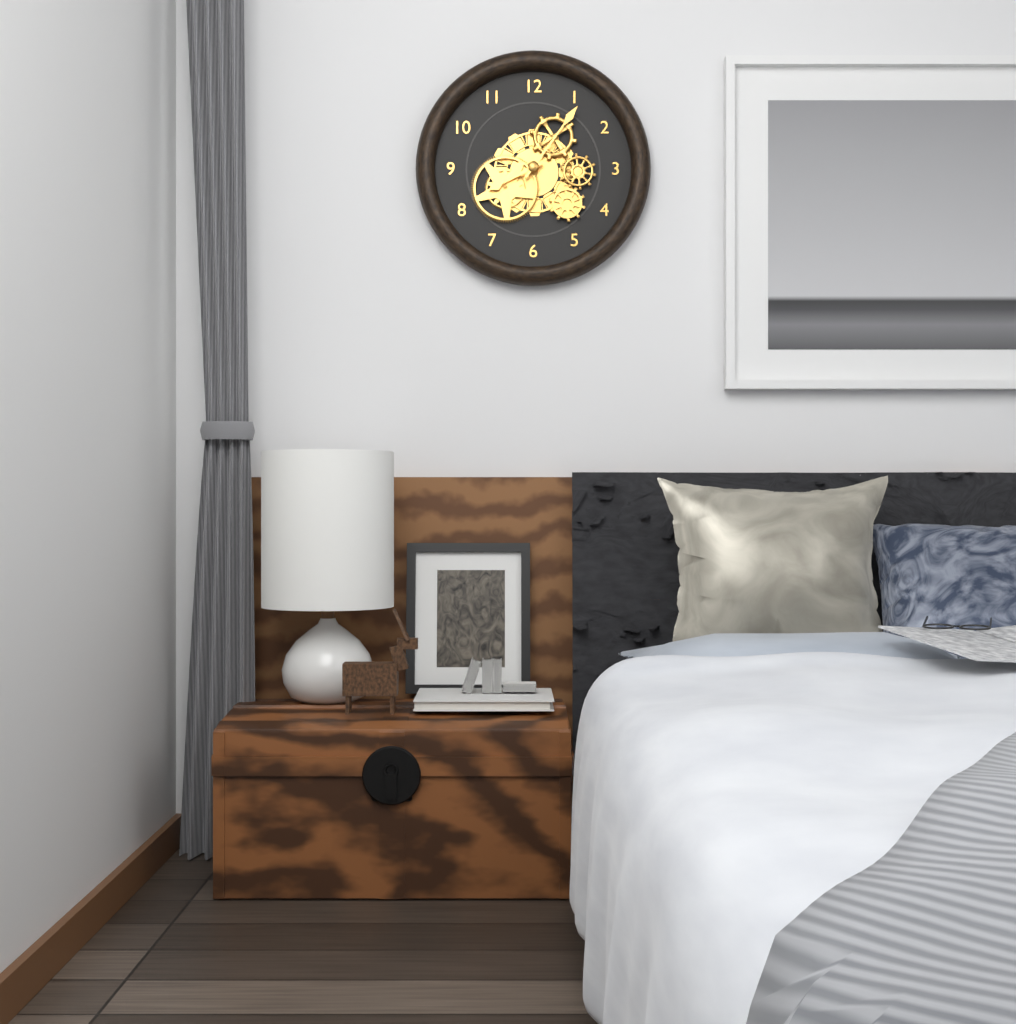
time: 8:06
